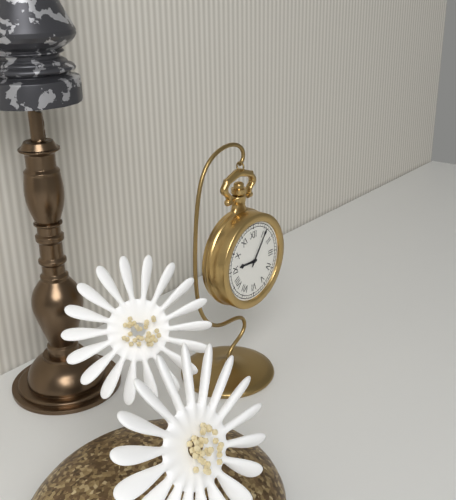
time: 9:06
